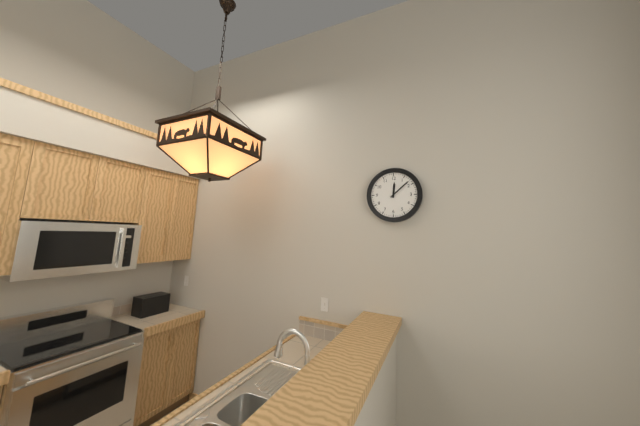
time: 12:08
